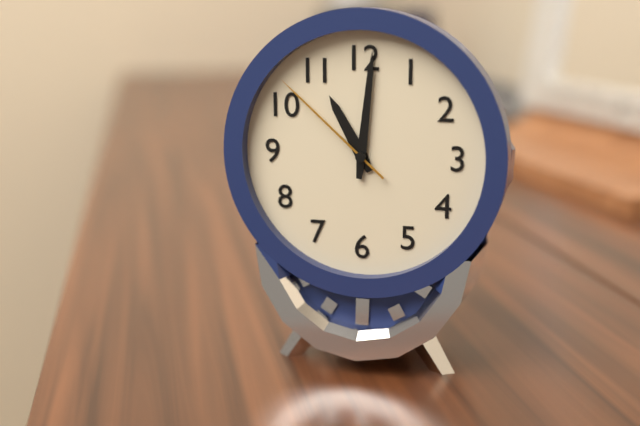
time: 11:01:52
